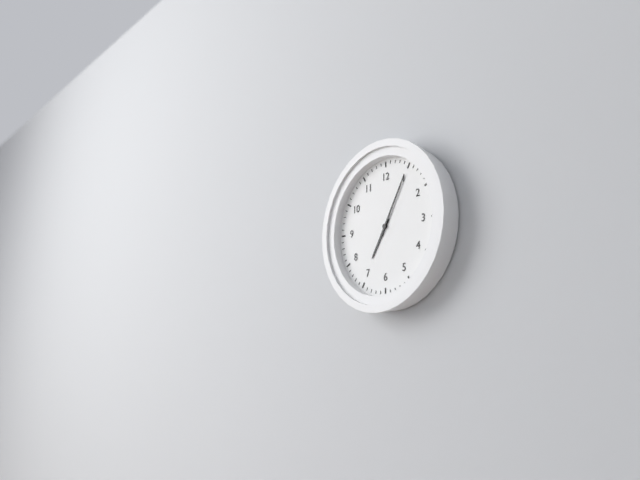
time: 7:05
